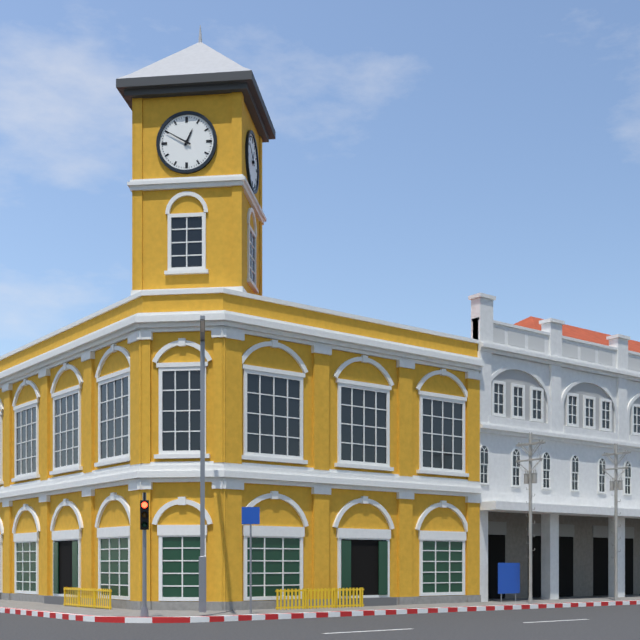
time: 12:50
